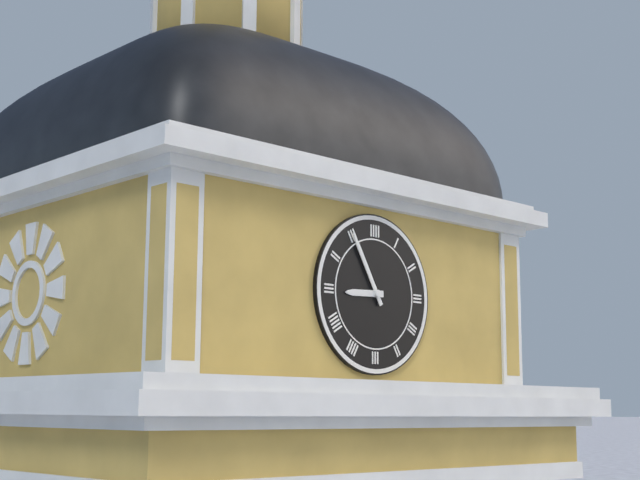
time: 8:55
